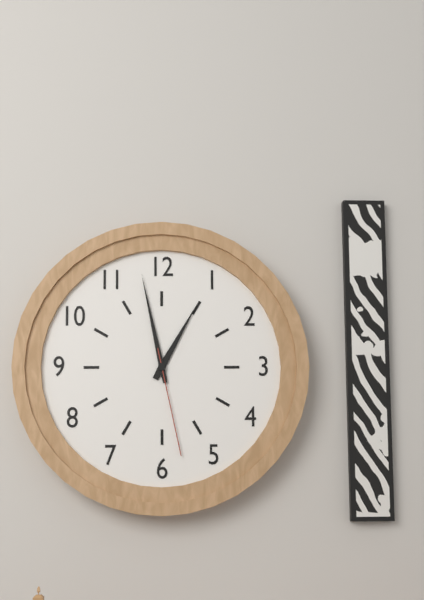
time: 12:58:28
